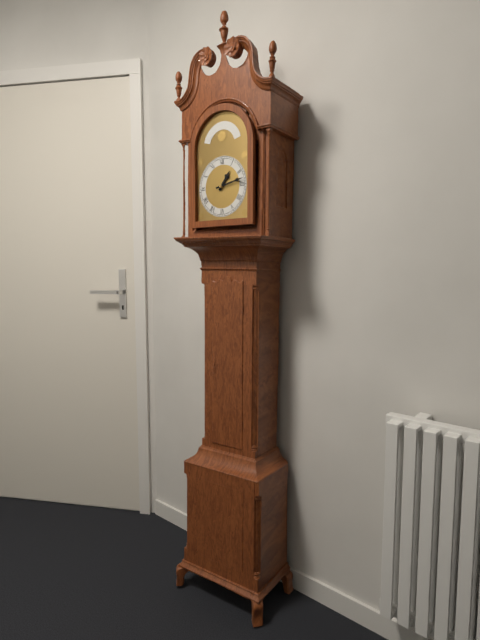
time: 1:13
